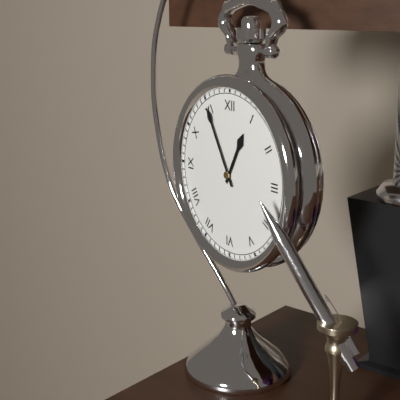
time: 12:55
